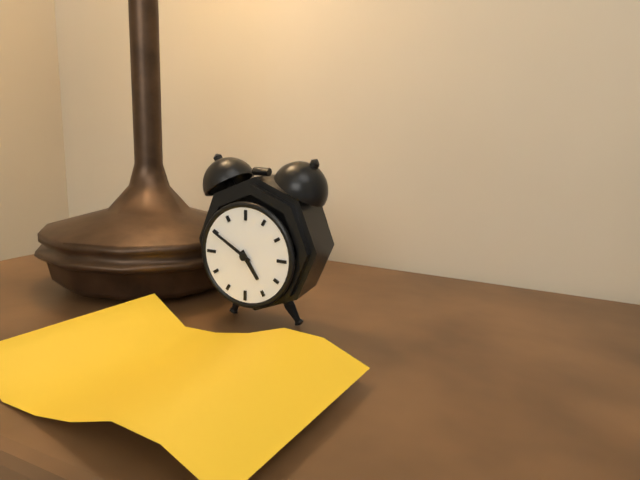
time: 4:50
